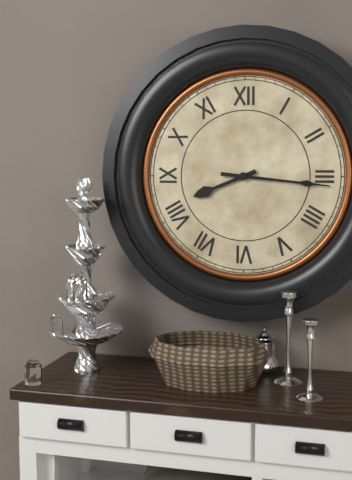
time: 8:16
